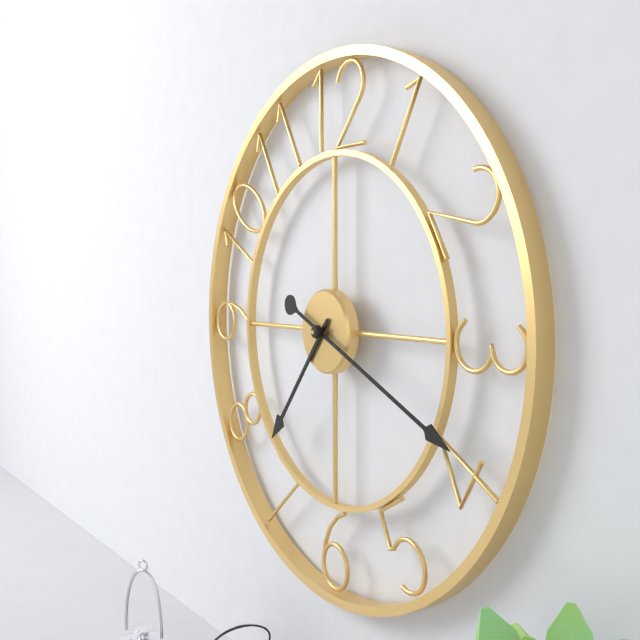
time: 7:19
